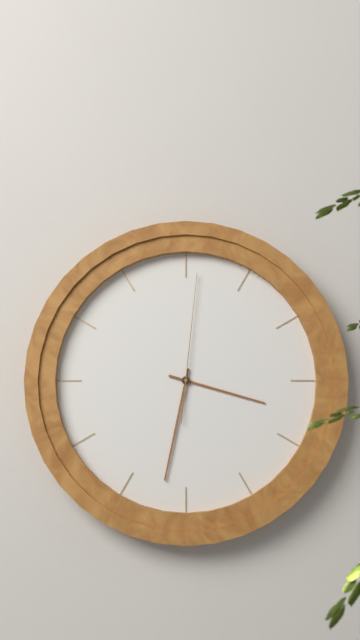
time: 3:32:01
